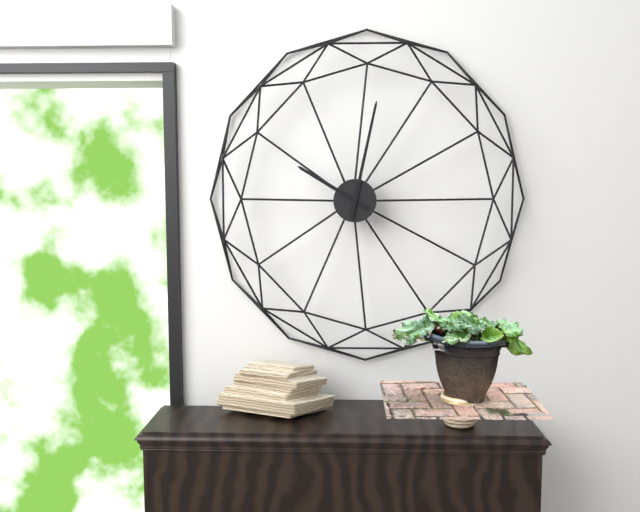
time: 10:02
